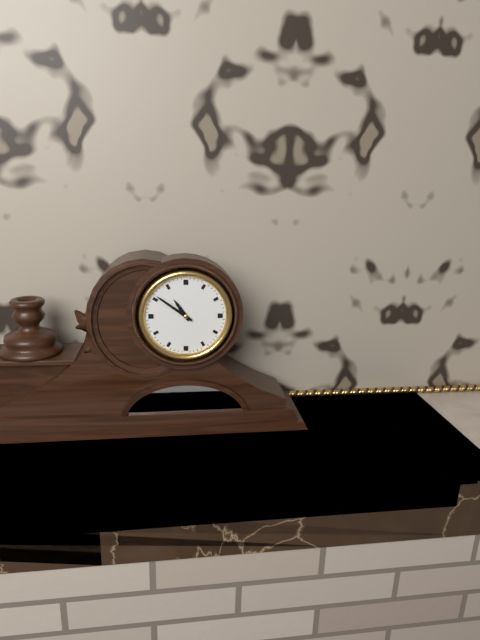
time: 10:51
